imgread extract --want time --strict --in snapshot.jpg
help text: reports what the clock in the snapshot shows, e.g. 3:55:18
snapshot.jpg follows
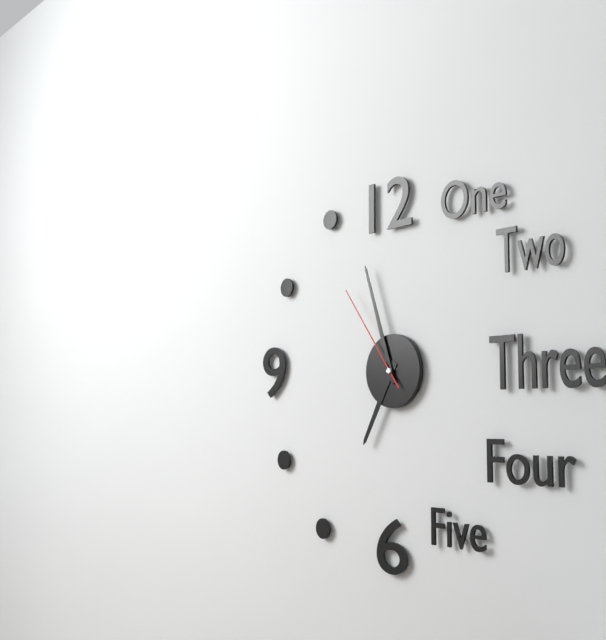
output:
6:57:54
